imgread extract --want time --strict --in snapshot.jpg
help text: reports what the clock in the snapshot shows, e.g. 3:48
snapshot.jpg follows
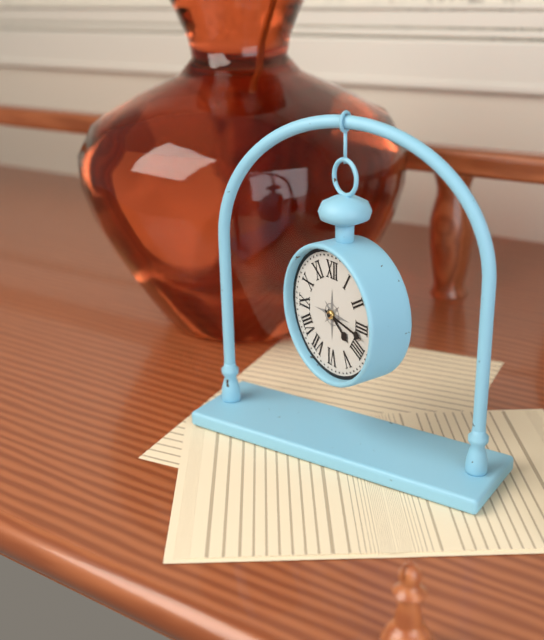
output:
4:17
